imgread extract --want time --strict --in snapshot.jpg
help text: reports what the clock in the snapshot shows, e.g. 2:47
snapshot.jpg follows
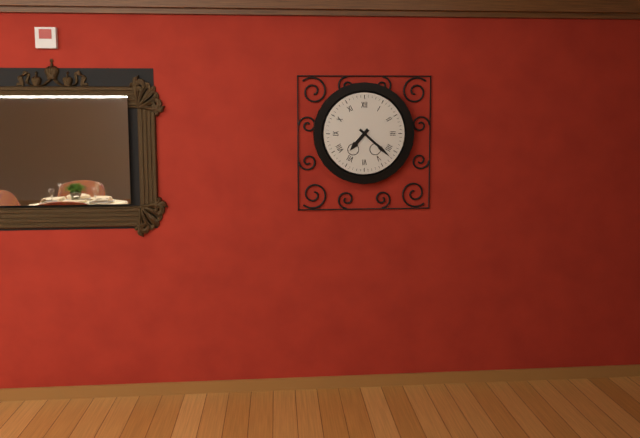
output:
7:22
